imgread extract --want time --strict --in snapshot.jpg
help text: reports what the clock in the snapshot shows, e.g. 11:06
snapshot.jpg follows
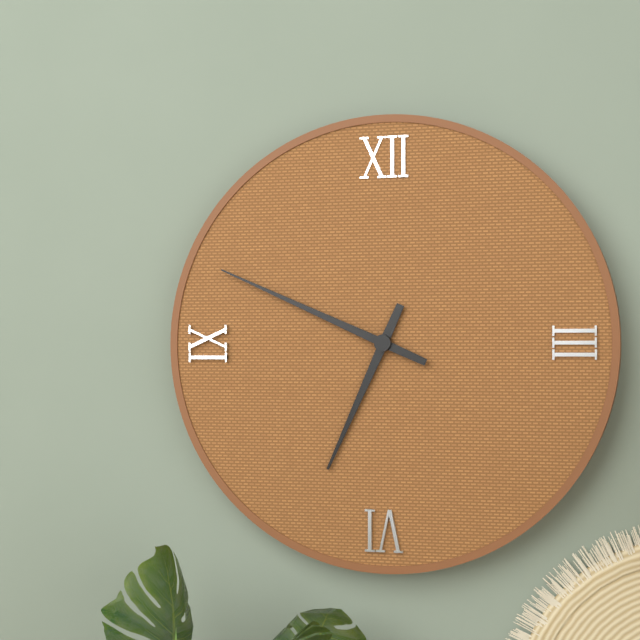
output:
6:49
